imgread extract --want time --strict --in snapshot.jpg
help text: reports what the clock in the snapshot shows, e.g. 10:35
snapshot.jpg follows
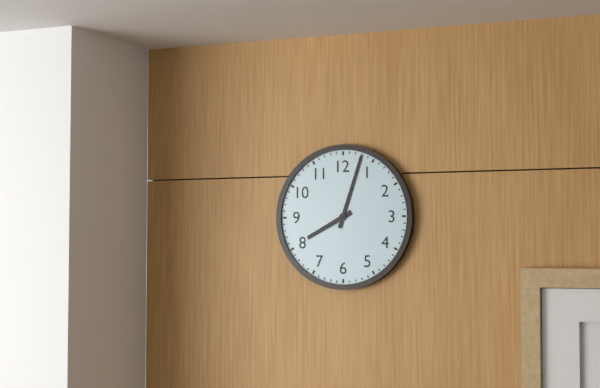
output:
8:03
